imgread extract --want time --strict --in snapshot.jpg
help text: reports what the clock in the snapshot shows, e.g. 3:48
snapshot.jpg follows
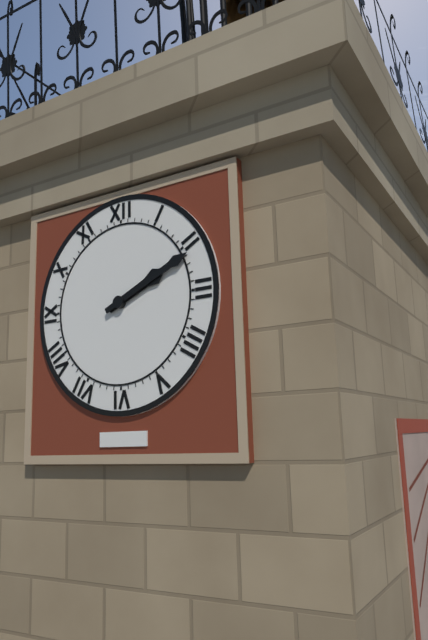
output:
2:11
